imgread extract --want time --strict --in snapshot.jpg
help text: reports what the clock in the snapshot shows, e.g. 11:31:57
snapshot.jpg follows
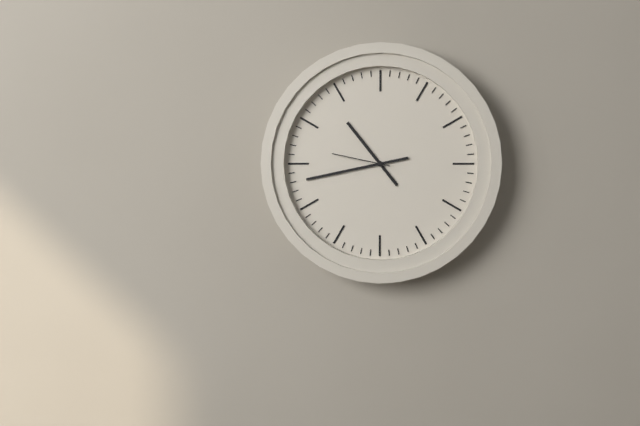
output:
10:43:47
